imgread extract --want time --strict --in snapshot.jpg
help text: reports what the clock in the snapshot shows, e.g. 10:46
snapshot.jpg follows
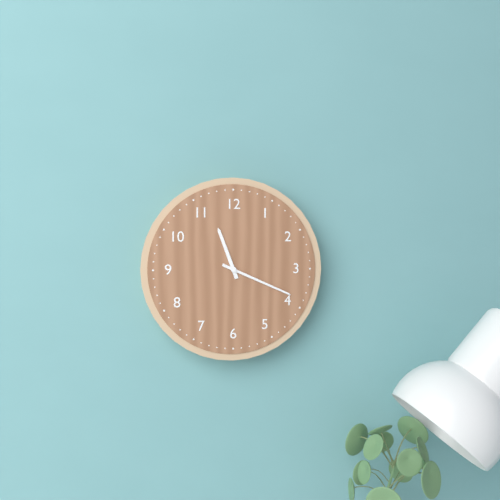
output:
11:19
